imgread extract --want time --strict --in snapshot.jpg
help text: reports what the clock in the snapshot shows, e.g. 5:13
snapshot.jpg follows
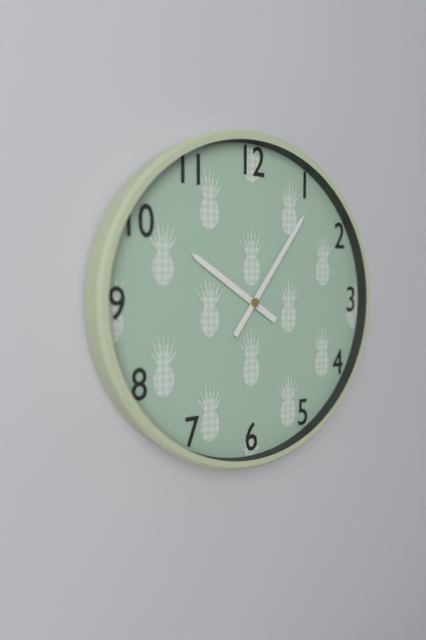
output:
10:06
